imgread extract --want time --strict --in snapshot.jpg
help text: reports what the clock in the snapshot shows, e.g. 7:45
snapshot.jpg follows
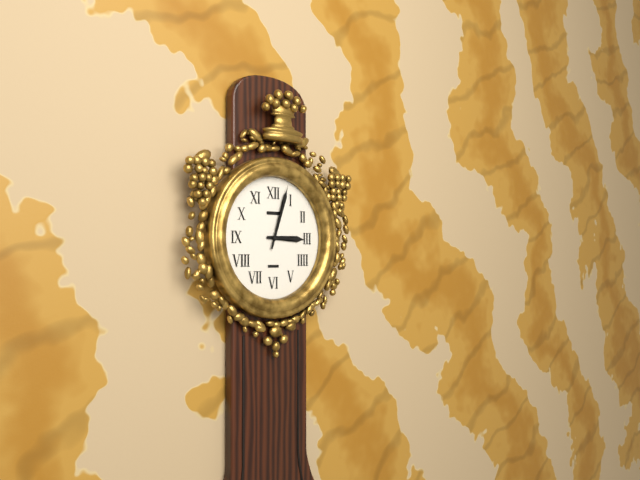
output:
3:03
